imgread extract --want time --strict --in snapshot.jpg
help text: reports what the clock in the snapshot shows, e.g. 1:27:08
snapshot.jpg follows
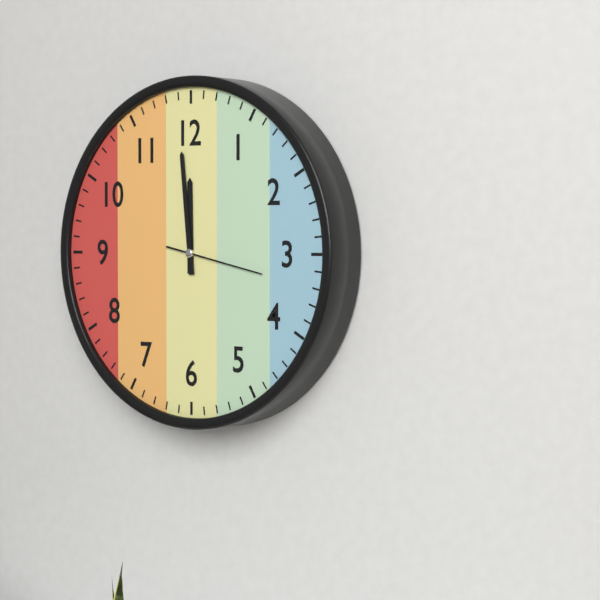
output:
11:59:17
